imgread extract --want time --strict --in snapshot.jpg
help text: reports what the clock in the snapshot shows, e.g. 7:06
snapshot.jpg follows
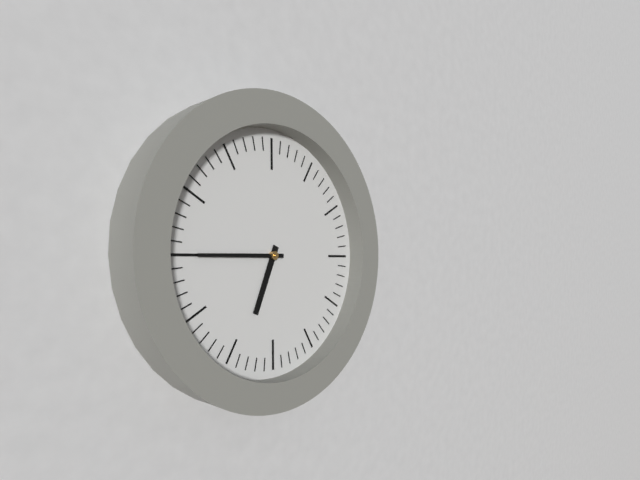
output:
6:45
